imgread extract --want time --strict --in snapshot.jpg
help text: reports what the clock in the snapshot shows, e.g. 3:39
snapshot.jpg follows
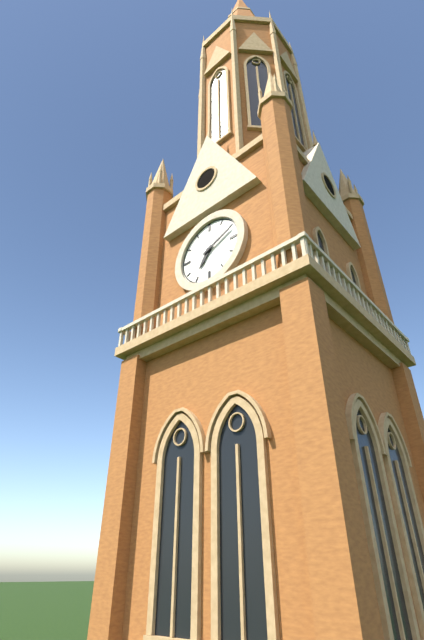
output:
7:11
